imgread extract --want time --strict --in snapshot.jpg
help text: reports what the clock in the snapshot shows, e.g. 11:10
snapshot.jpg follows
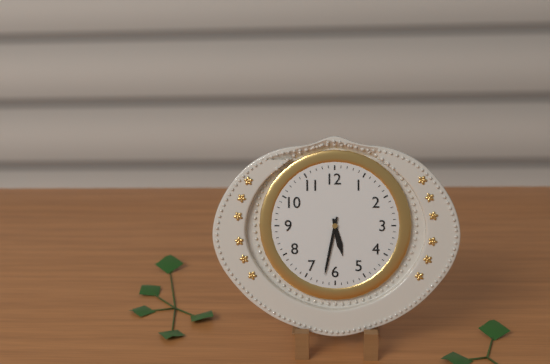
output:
5:32
